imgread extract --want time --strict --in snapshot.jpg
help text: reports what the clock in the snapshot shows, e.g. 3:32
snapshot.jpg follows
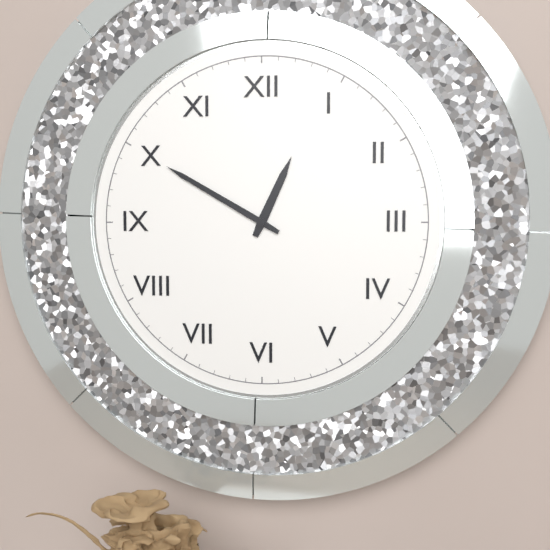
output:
12:50
